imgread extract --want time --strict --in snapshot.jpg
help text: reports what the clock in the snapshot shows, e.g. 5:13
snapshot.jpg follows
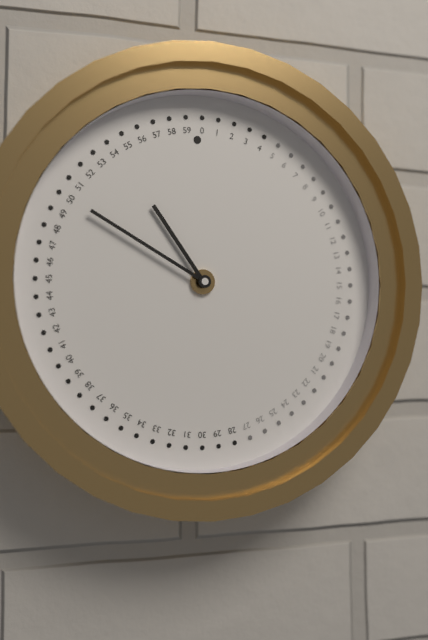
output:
10:50
